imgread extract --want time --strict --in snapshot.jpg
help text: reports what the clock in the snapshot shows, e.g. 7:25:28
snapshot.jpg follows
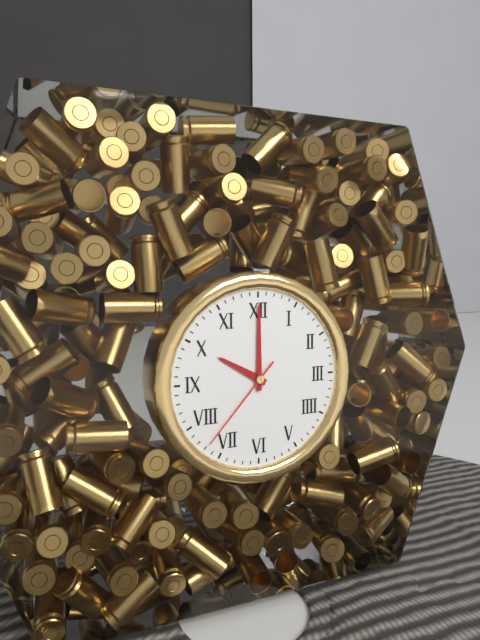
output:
10:00:37
